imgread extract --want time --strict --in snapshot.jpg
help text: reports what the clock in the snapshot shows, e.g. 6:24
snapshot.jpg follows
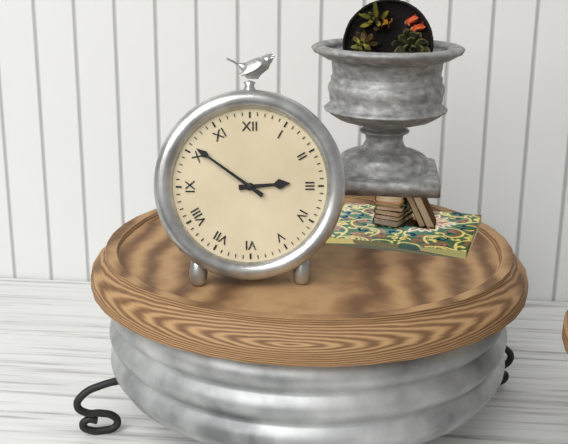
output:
2:51
